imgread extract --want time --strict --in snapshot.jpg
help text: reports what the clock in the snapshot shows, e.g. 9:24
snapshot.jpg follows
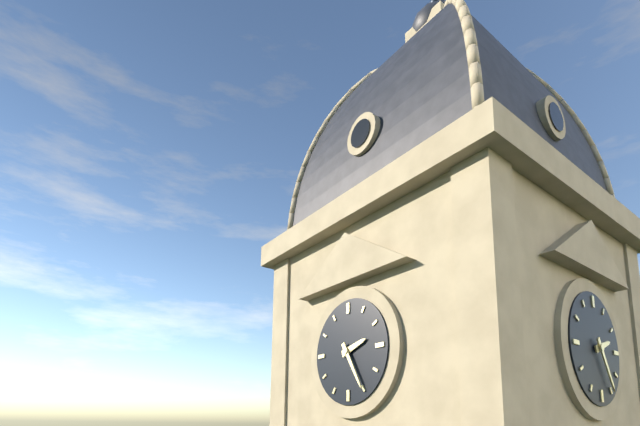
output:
2:25
